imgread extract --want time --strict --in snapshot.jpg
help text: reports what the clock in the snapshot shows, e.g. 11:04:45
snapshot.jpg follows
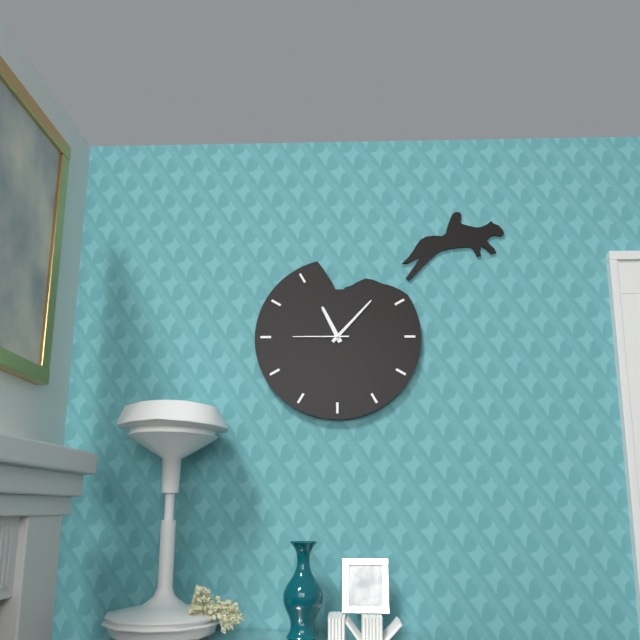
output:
11:07:45
